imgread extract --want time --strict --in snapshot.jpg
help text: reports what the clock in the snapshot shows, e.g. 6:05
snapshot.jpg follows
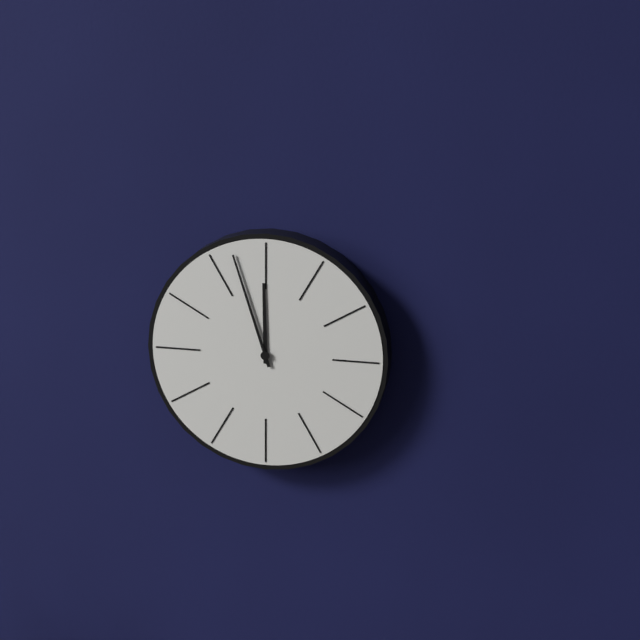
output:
11:57
